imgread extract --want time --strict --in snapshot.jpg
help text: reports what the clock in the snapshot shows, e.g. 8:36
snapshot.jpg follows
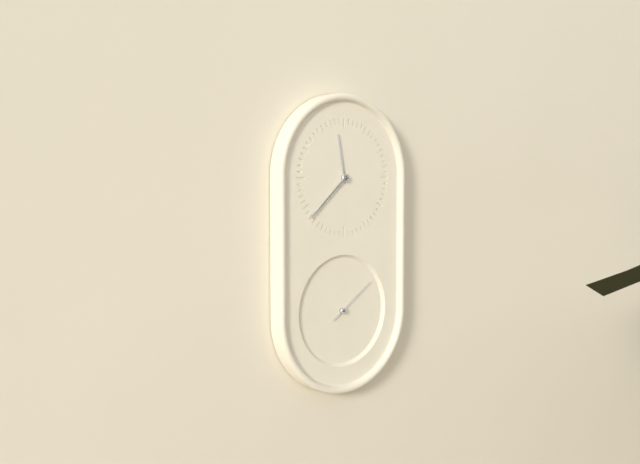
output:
11:38
